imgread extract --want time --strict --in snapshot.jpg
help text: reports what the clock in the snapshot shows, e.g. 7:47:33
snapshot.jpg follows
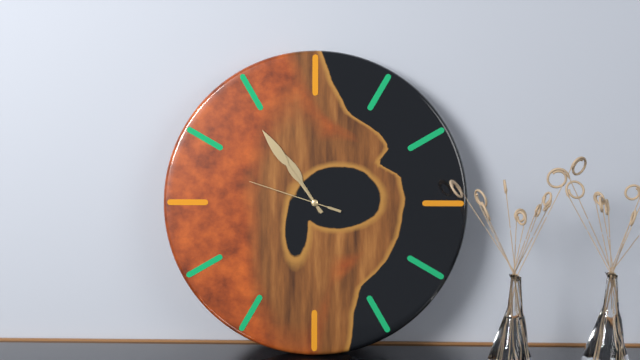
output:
10:54:48
